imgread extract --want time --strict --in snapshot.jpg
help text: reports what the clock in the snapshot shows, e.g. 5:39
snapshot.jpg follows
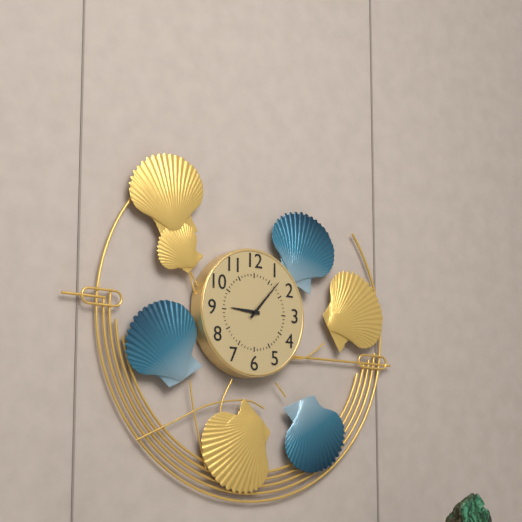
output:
9:07
